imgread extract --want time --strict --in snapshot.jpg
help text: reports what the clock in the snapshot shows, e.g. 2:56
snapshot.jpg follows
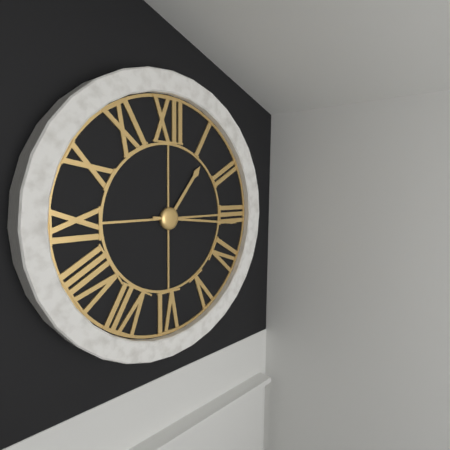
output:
1:16
